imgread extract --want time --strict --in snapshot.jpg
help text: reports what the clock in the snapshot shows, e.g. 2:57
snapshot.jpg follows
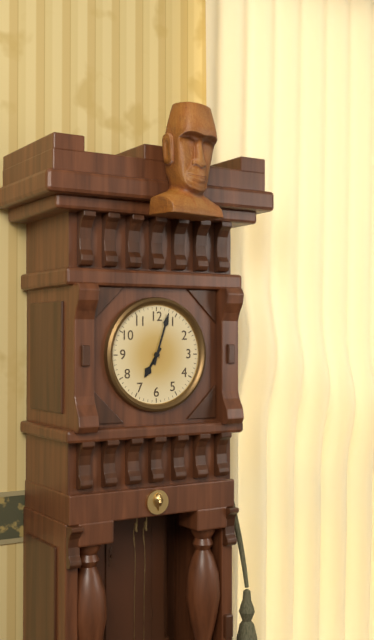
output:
7:03
